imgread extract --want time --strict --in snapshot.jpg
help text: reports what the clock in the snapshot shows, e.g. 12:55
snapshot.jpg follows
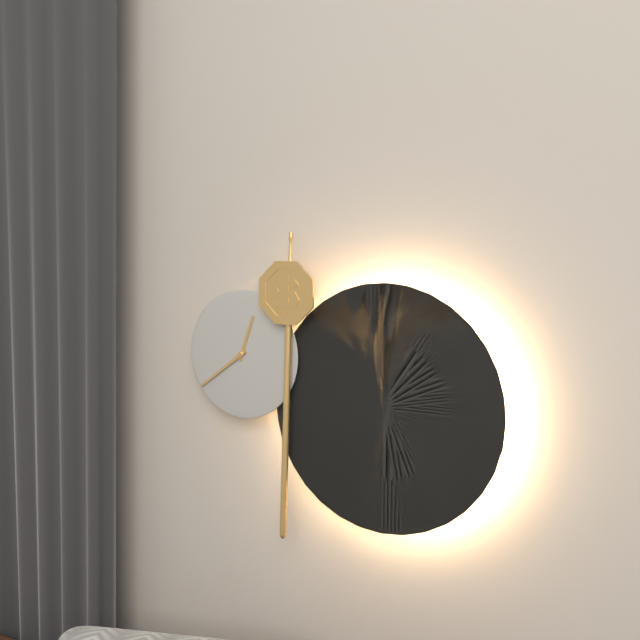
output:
12:39
